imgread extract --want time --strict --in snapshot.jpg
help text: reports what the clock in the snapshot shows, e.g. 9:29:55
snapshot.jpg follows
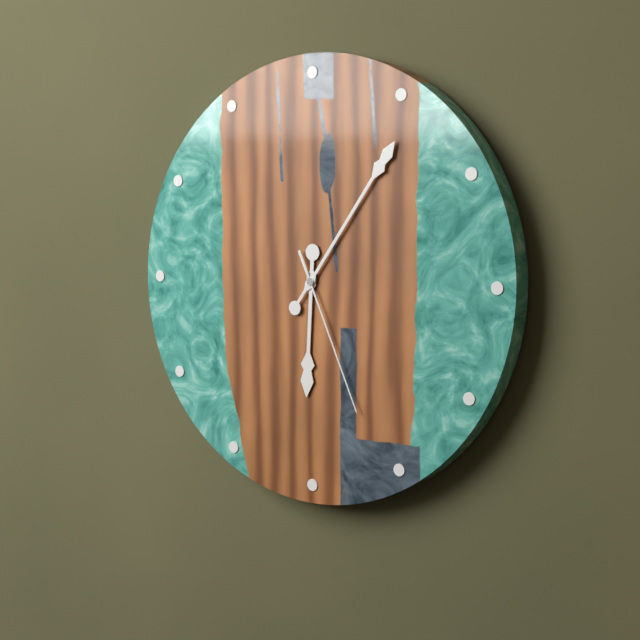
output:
6:06:26
